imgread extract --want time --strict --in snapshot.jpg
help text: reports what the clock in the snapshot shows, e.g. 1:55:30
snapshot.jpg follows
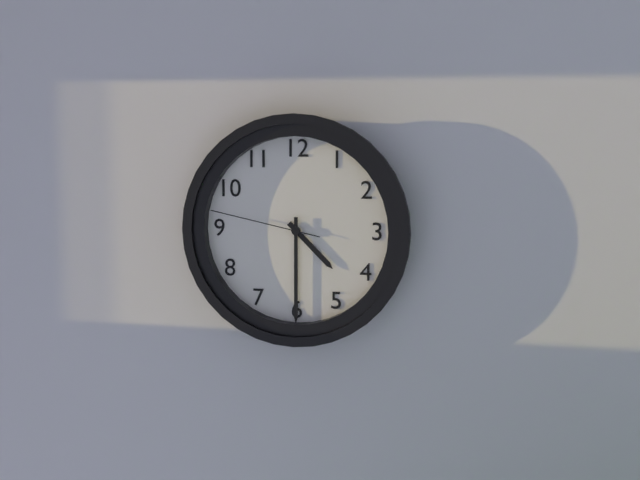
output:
4:30:47
